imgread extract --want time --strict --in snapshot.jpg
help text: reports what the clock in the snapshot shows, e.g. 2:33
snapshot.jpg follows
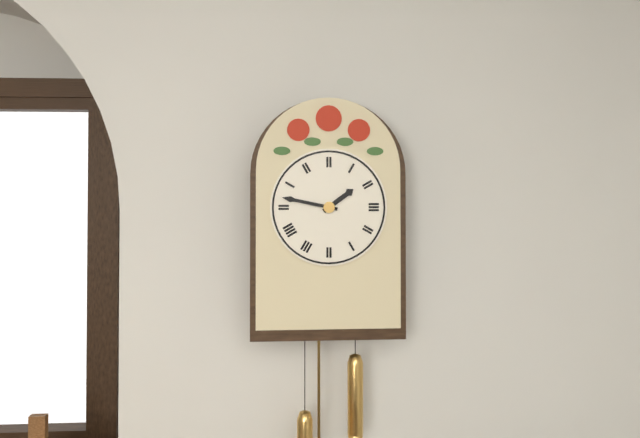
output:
1:47
